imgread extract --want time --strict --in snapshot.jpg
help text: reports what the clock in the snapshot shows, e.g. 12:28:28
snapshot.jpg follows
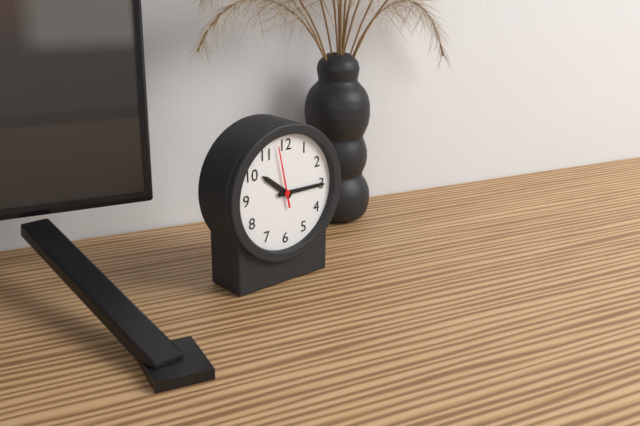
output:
10:15:58
